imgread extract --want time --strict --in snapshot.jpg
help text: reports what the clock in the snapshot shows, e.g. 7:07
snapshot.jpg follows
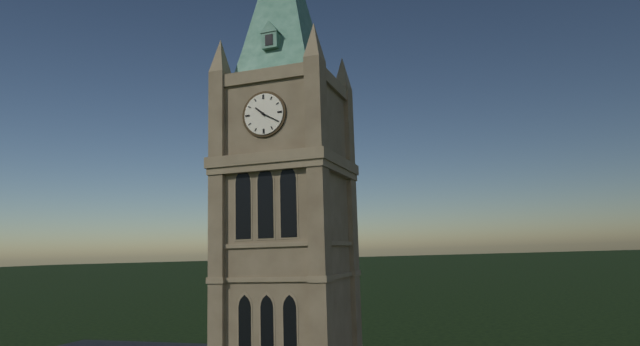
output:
10:20
